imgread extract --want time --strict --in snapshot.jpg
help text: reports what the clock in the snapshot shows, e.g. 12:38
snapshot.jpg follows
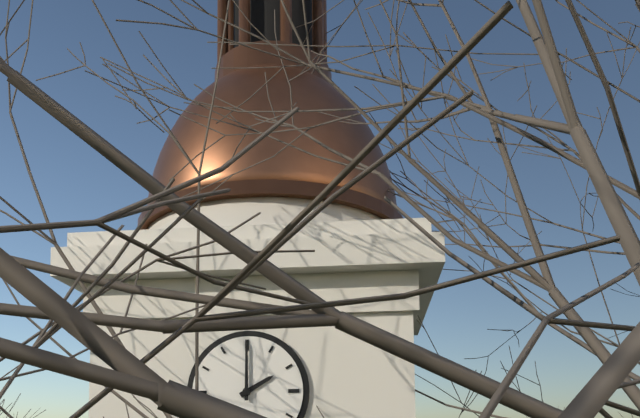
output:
2:00
